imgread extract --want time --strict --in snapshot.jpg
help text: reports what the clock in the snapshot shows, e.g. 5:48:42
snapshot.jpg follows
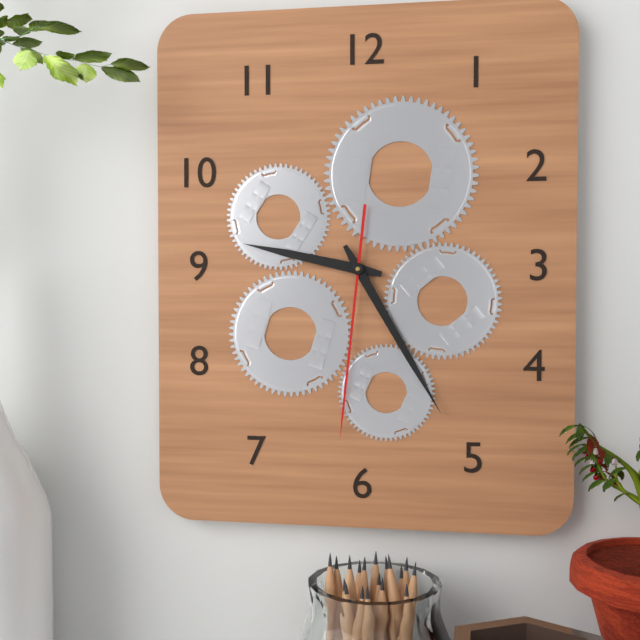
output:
9:25:31
